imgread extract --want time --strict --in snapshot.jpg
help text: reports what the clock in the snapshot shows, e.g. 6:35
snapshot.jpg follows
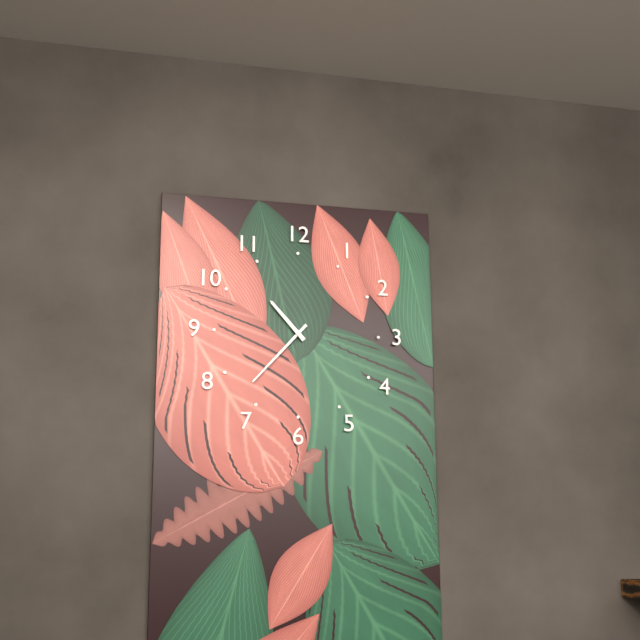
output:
10:37
